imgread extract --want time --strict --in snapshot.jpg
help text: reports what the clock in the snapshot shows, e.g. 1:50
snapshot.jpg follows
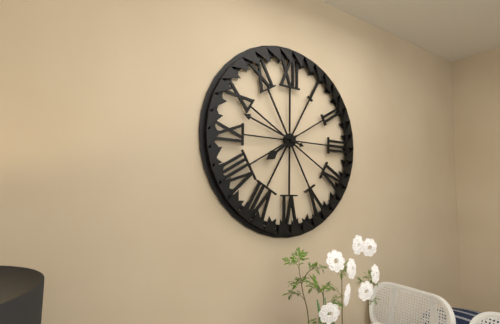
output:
7:48
